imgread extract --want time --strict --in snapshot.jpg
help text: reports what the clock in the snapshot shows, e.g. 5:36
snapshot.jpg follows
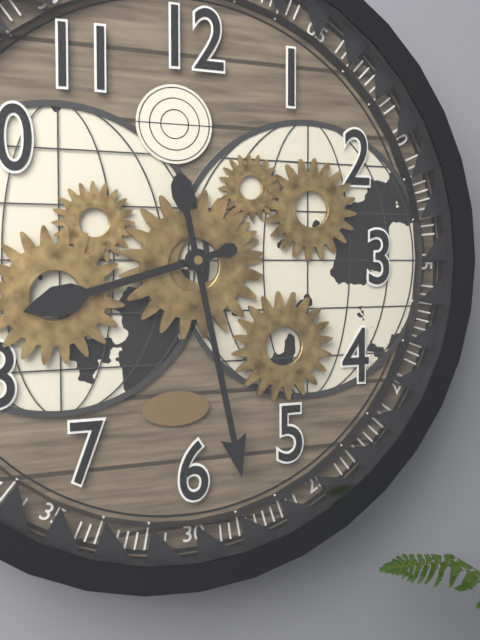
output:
8:28
